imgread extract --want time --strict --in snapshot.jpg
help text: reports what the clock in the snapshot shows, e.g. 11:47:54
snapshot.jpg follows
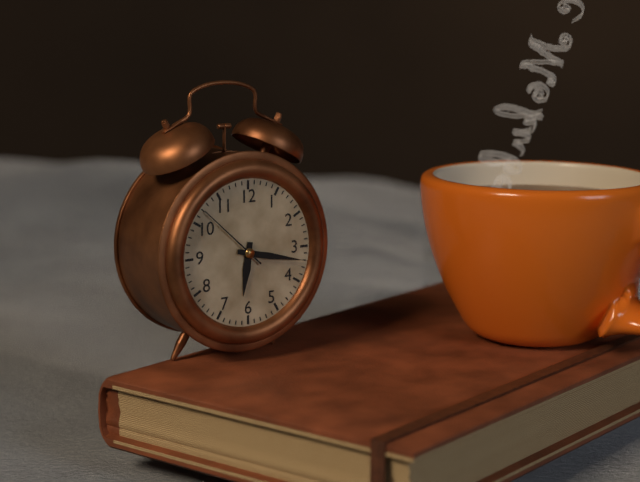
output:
6:17:52
